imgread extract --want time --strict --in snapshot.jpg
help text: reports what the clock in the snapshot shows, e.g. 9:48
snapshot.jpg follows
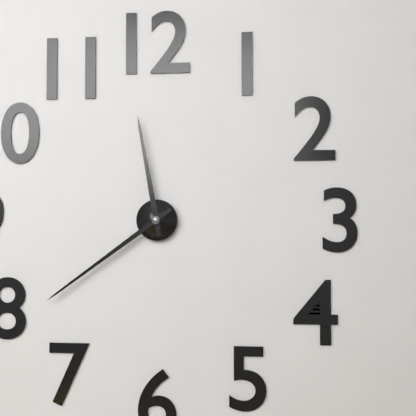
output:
11:39
